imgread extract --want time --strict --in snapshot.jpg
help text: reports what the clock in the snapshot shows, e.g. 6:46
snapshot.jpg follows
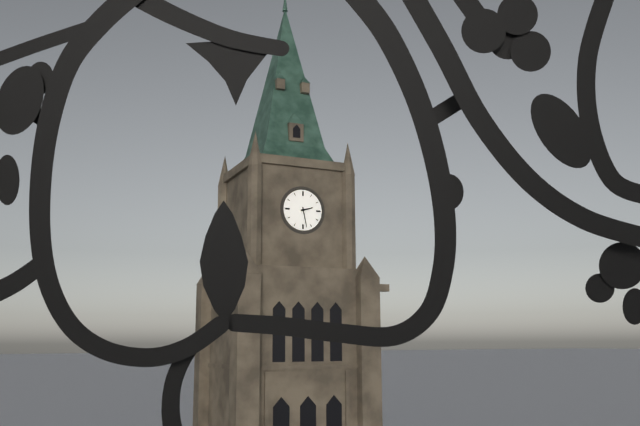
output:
2:28
